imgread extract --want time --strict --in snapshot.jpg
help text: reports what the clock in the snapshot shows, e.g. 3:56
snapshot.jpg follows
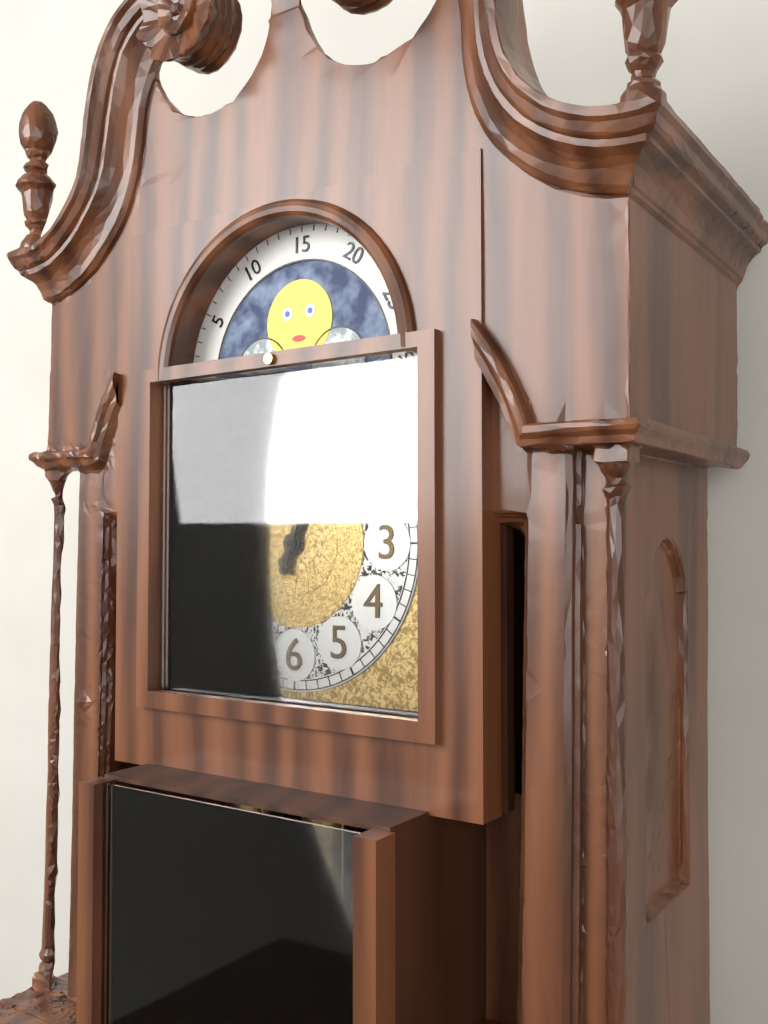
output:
1:03
